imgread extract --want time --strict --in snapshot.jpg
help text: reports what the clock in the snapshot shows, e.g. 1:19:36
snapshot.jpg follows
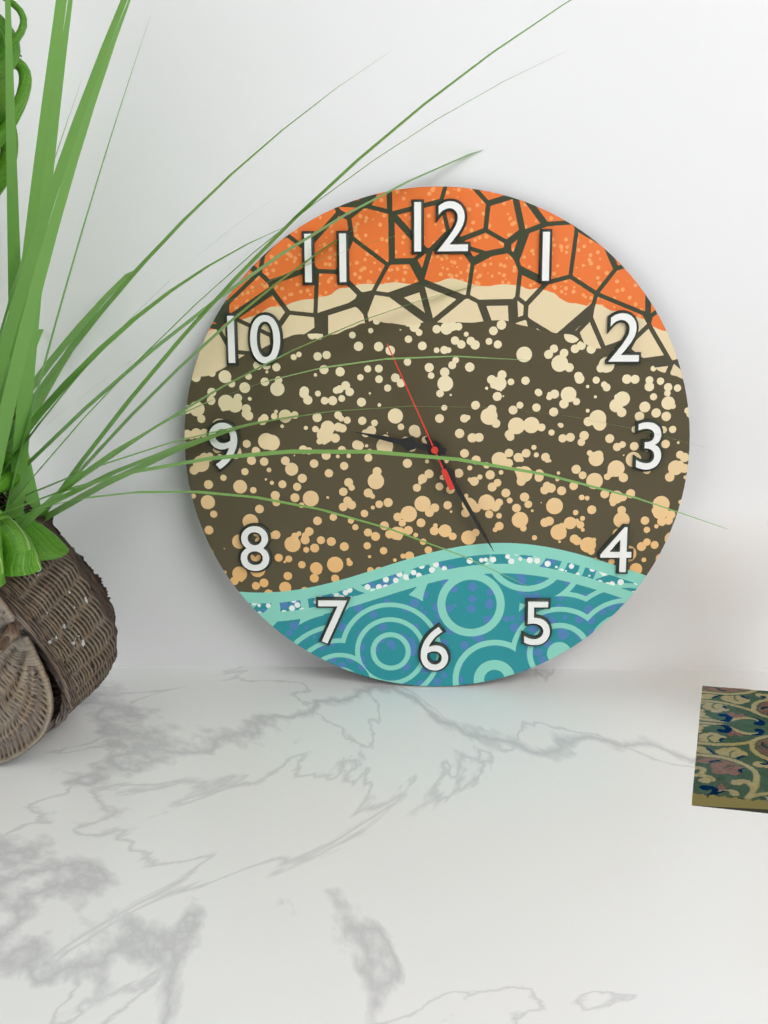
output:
9:25:56
